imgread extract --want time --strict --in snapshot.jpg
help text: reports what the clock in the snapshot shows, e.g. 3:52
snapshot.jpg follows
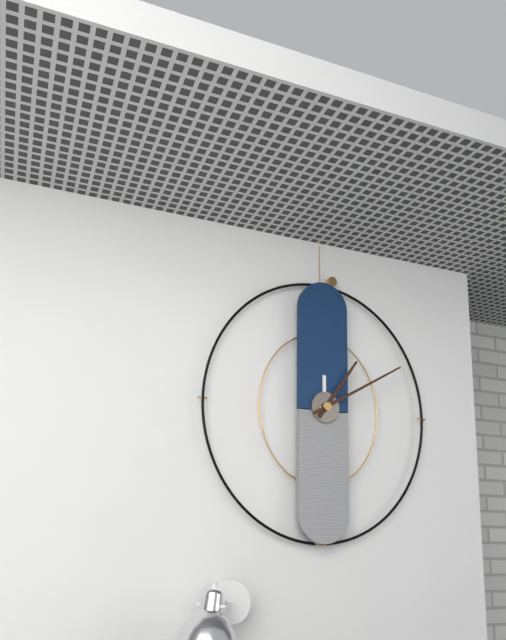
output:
1:10
